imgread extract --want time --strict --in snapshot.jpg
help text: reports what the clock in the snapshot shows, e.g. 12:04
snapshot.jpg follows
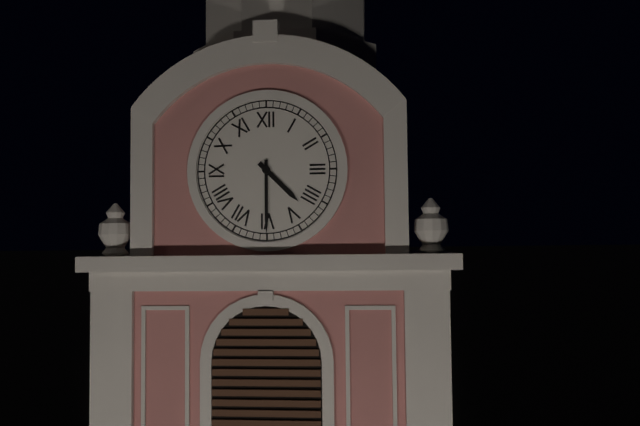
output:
4:30
